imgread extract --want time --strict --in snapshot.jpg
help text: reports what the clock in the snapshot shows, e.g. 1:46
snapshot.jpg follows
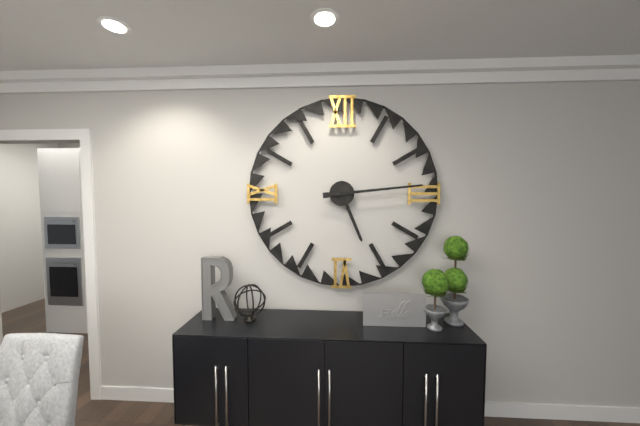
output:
5:14
